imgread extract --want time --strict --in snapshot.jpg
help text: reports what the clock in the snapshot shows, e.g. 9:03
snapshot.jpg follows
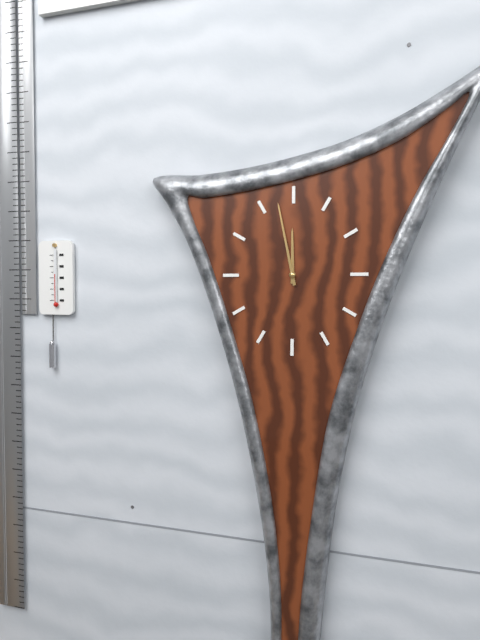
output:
11:58
